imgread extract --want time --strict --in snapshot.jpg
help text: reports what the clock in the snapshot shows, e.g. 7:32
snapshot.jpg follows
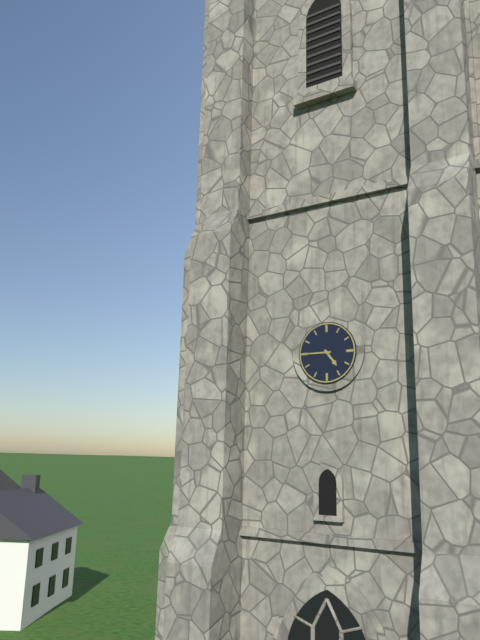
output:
4:45
